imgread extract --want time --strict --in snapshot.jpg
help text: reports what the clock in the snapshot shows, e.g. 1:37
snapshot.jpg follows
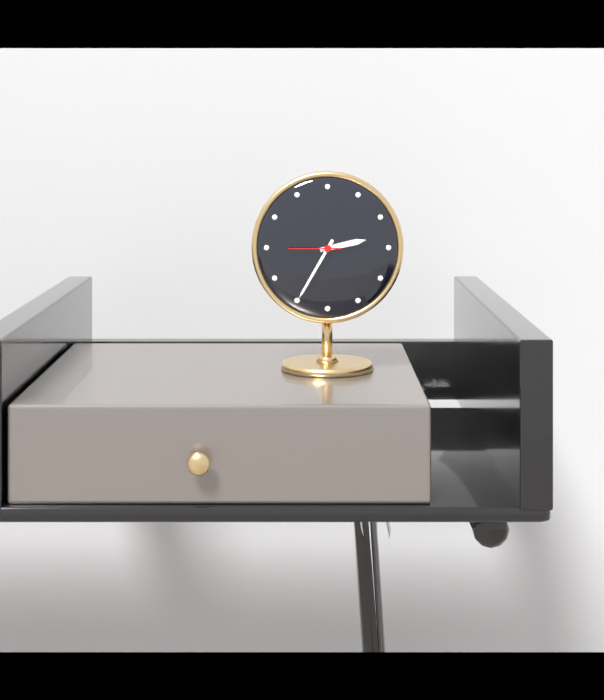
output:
2:35
